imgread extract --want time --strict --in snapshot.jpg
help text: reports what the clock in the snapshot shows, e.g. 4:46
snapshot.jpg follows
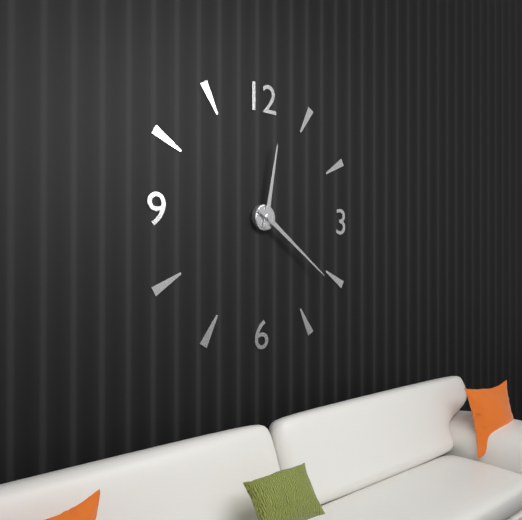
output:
12:21
